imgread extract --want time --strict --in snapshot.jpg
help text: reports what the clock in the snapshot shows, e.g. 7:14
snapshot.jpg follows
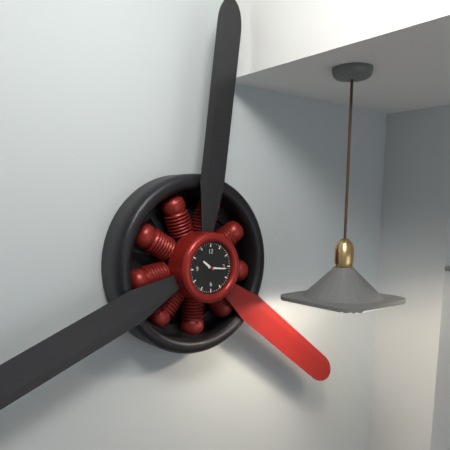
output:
10:16
